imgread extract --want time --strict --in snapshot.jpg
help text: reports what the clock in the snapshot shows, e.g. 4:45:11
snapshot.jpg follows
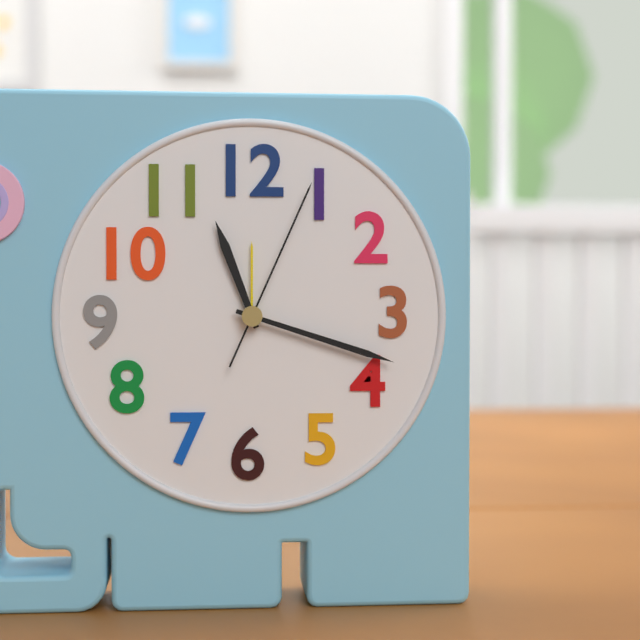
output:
11:18:04
